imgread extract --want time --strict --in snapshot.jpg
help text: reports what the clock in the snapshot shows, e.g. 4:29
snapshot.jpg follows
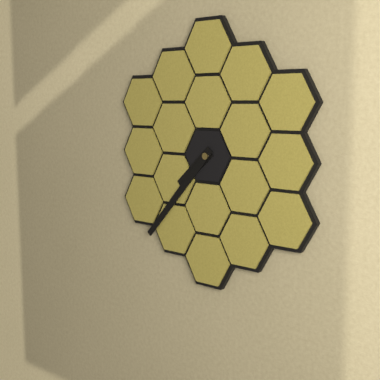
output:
7:37
